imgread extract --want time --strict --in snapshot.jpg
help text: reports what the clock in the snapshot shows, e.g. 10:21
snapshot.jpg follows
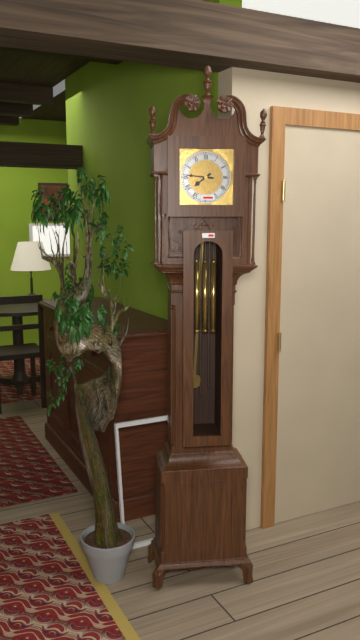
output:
7:46
